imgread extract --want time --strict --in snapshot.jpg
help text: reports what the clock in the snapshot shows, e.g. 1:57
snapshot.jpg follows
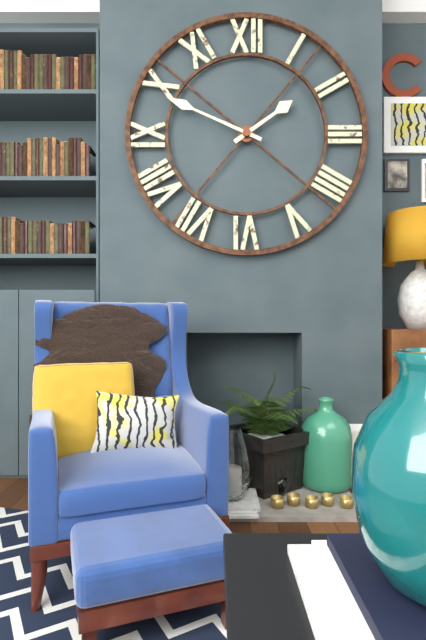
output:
1:49
